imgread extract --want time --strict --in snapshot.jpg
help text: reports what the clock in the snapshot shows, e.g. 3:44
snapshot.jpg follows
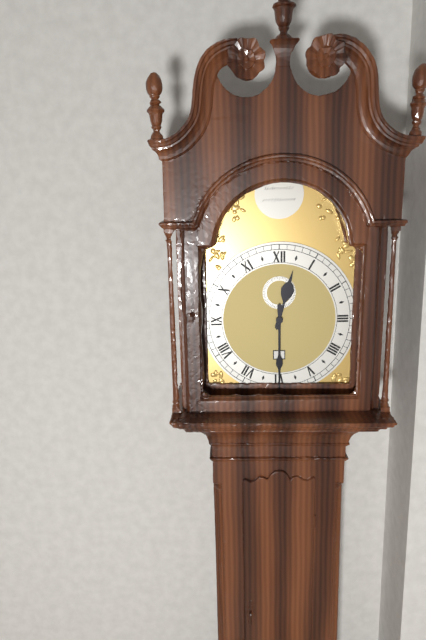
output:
12:30
